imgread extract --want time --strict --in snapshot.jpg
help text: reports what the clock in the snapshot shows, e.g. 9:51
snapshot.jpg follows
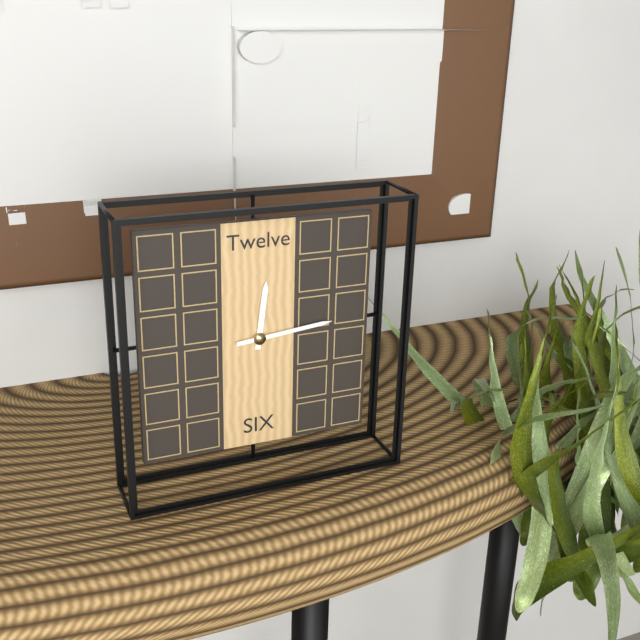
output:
12:14
